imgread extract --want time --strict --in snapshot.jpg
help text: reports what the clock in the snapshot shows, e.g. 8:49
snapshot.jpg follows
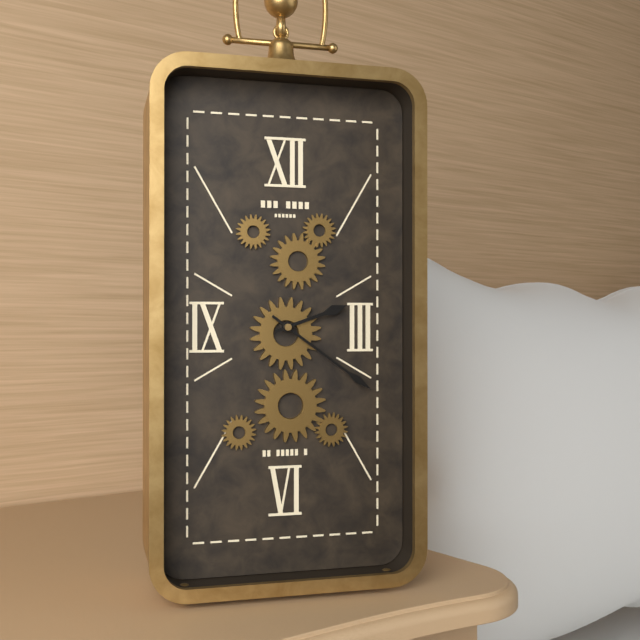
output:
2:21
